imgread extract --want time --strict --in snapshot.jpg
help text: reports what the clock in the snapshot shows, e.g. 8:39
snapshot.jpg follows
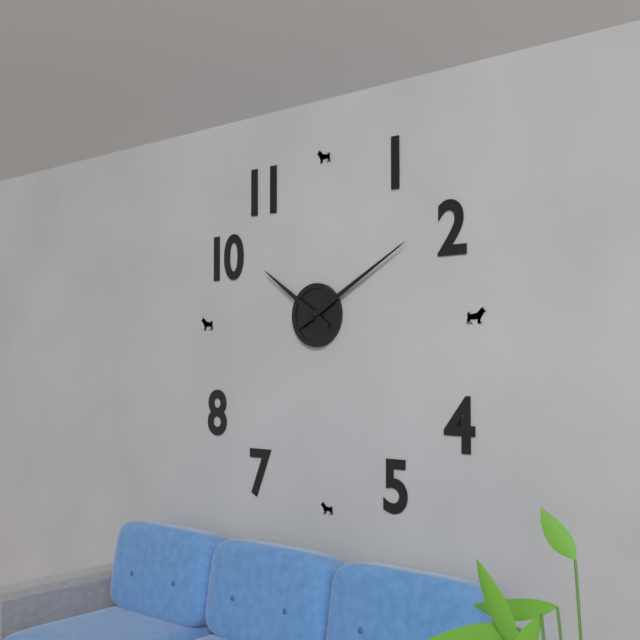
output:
10:10
